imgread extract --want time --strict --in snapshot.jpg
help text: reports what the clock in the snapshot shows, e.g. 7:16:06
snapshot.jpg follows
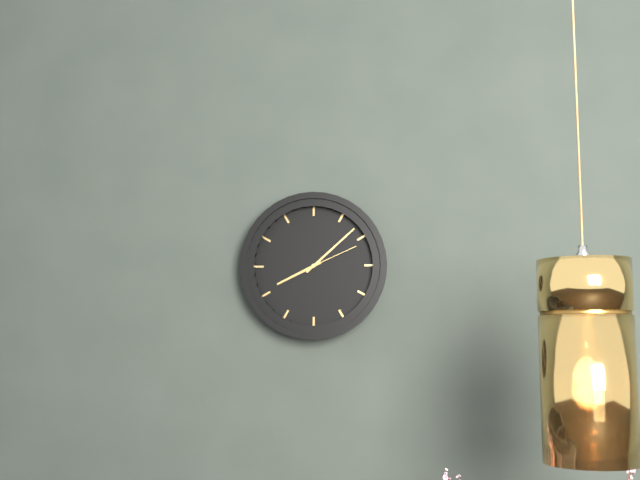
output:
8:08:11
